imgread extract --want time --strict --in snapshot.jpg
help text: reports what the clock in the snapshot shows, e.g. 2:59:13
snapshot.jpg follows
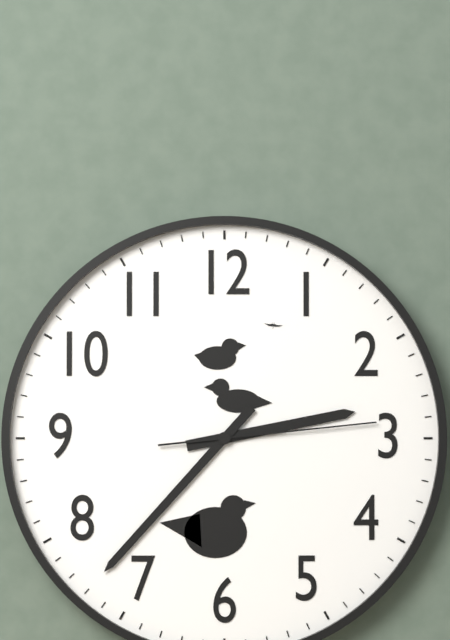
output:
2:37:14
